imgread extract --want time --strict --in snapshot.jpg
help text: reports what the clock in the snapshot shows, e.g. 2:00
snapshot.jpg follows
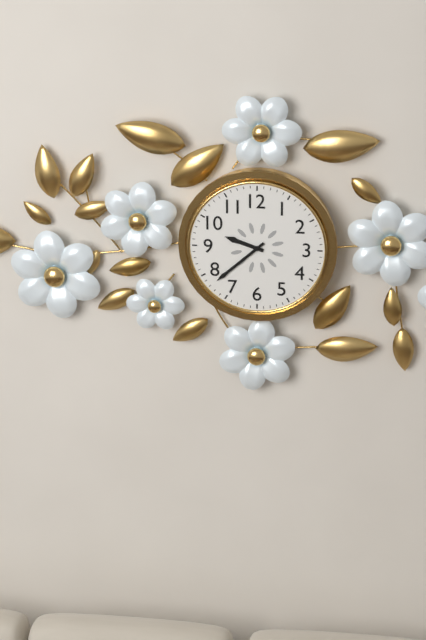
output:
9:38
